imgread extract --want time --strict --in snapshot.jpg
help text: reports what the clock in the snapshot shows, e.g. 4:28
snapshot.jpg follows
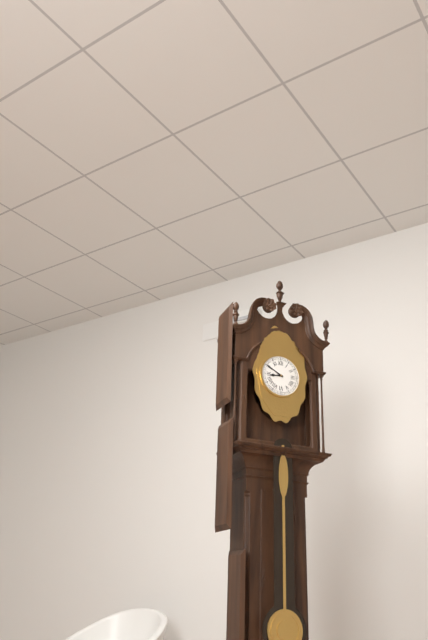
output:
8:50
